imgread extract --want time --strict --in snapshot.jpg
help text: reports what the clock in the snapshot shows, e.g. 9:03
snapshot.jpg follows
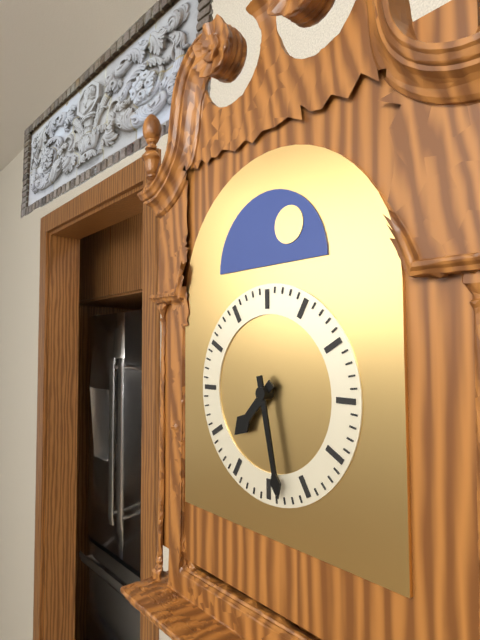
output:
7:28
